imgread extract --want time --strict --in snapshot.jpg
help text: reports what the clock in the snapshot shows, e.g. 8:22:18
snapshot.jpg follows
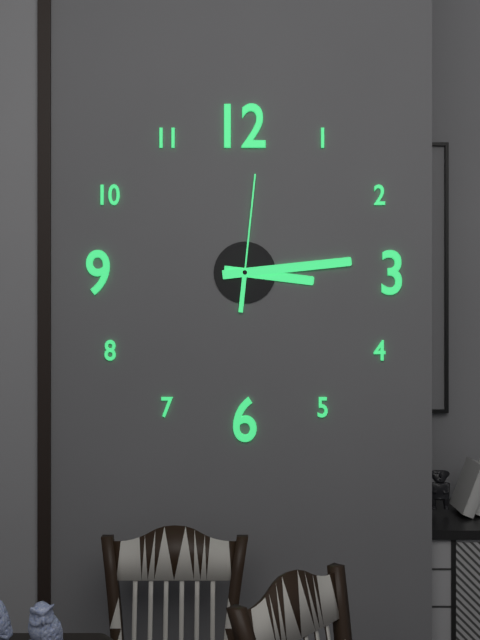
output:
3:14:01
